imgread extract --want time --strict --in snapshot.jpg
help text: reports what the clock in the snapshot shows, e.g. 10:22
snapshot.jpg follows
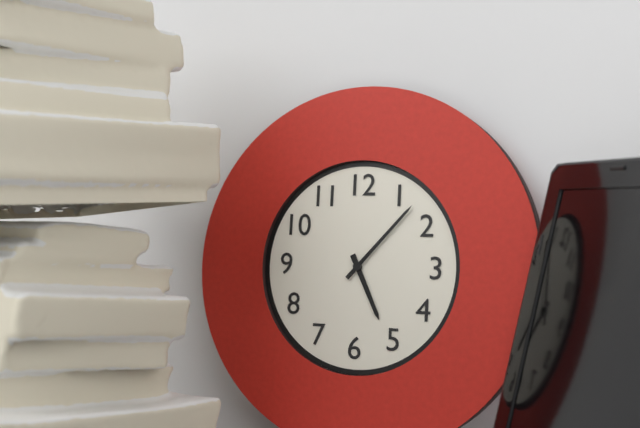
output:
5:07
